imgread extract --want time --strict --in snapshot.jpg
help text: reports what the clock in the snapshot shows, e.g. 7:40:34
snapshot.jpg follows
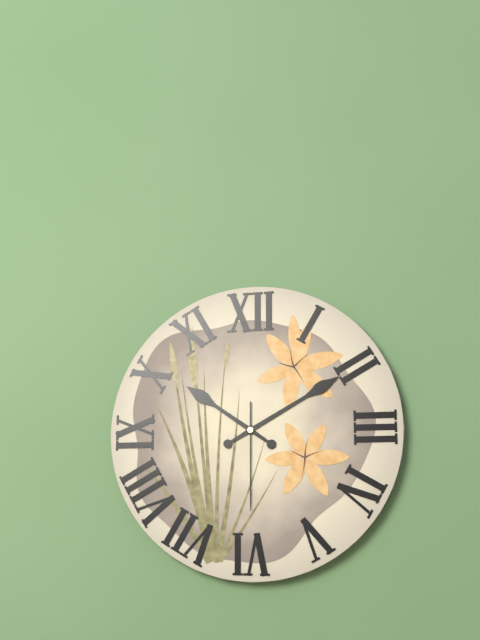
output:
10:10:30
